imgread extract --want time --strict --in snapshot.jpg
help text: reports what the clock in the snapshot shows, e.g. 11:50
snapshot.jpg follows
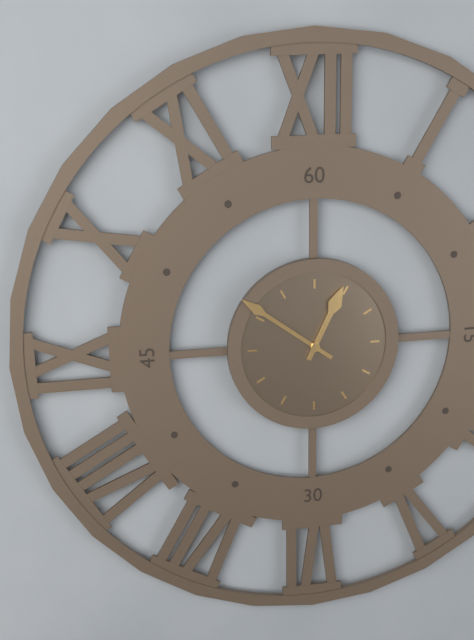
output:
12:51
